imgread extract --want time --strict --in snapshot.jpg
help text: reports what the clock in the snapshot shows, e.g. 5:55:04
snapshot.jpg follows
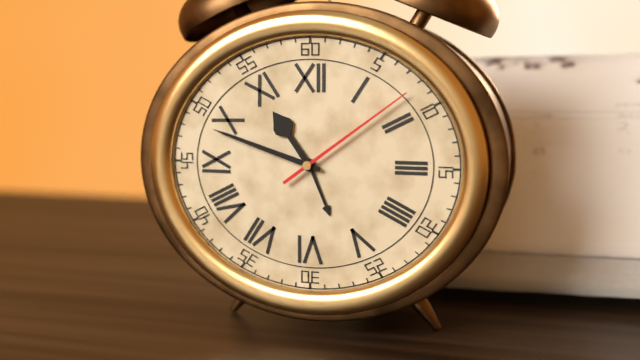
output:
10:48:09
